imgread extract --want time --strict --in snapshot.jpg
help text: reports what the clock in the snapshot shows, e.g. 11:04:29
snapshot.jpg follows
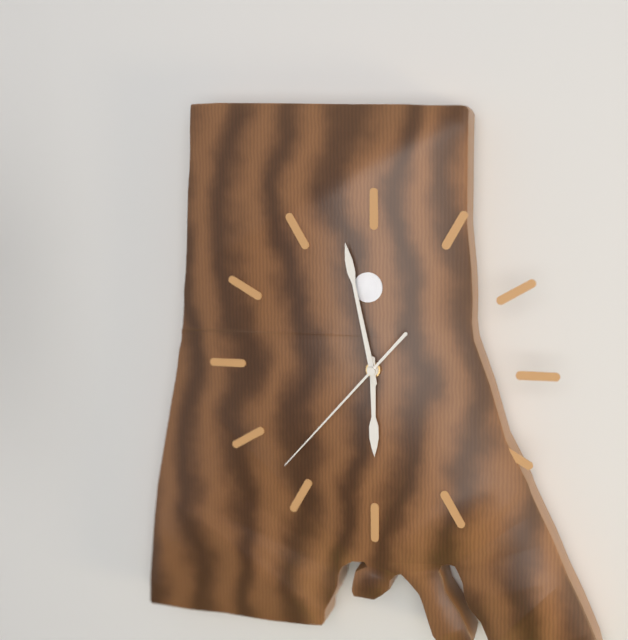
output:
5:58:37
